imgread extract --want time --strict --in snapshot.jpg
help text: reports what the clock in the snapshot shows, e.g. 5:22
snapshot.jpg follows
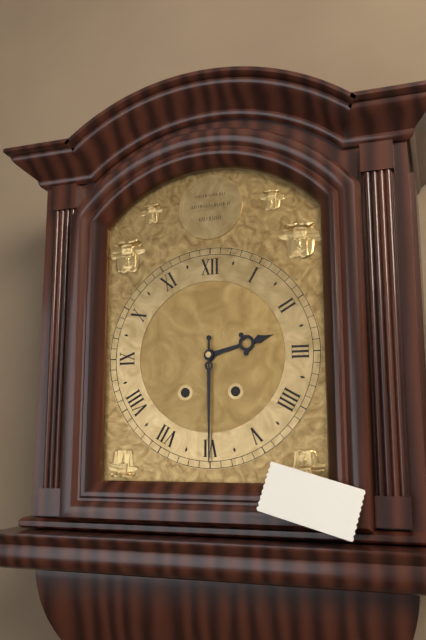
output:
2:30
